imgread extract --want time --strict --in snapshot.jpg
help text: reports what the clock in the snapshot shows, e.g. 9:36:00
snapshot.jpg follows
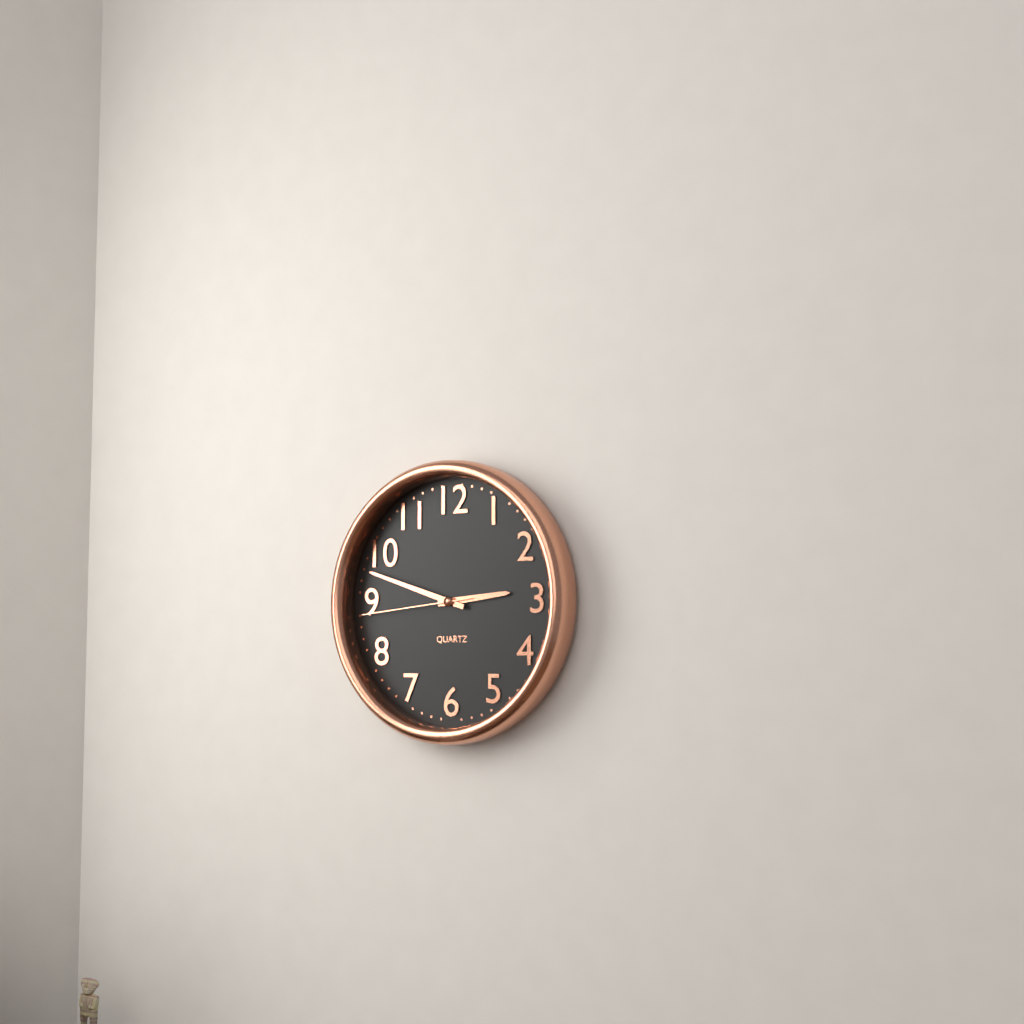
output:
2:48:44
